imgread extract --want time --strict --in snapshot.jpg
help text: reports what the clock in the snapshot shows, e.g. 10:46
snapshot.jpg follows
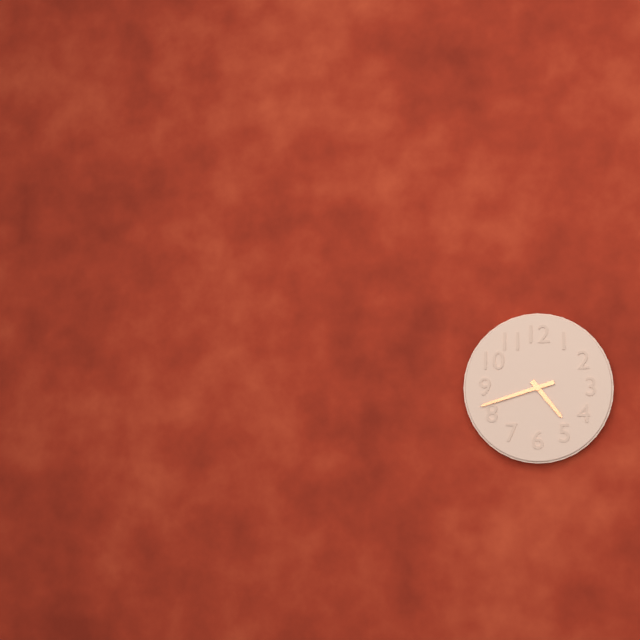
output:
4:42
